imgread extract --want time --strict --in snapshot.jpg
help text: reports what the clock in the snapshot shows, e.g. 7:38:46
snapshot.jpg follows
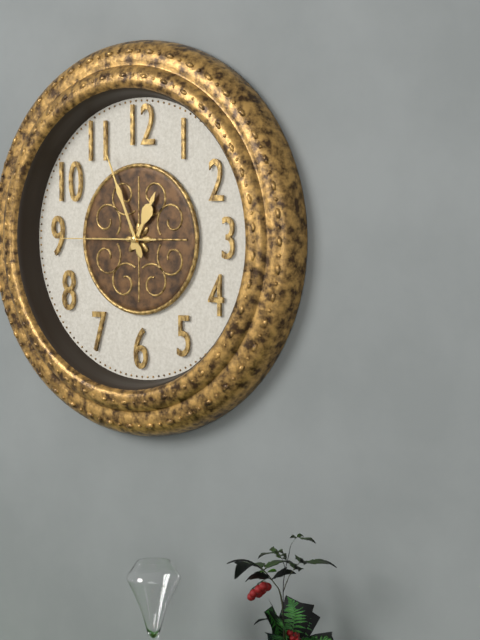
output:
12:56:45
